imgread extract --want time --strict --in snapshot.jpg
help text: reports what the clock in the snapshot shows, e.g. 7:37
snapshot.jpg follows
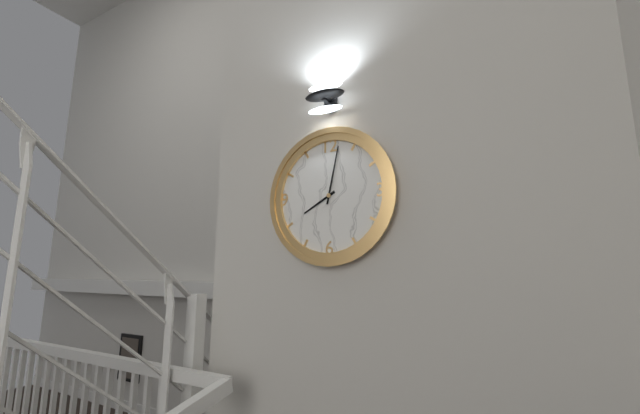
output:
8:02
